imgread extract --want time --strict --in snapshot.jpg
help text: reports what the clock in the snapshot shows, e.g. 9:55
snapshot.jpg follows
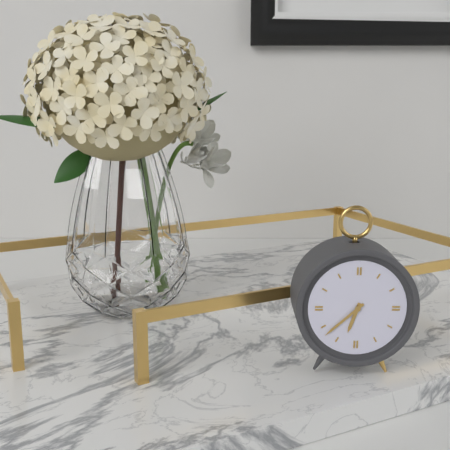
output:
6:38
